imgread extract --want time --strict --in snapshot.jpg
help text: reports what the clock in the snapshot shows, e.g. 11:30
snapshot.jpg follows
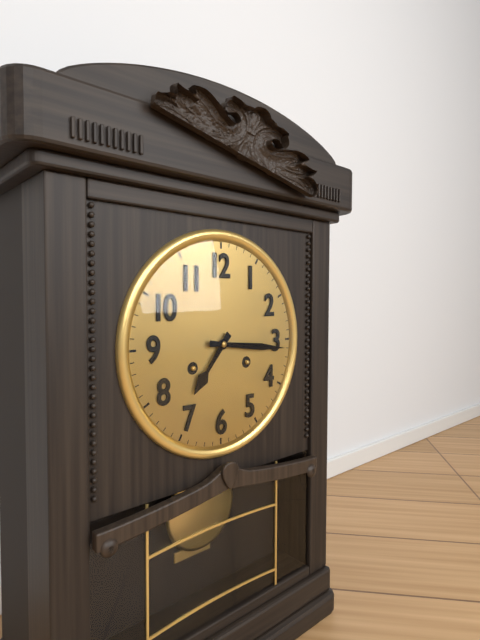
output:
7:16
